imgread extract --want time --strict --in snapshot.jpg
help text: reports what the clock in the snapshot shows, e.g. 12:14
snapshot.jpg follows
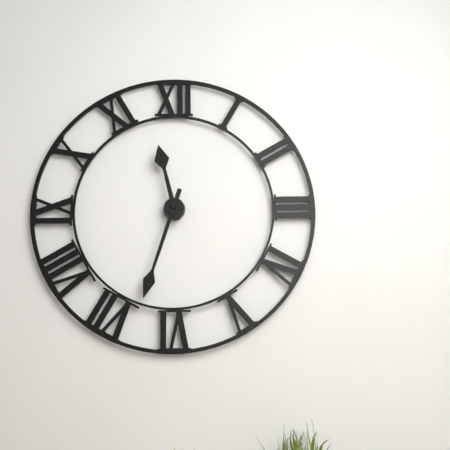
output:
11:33
